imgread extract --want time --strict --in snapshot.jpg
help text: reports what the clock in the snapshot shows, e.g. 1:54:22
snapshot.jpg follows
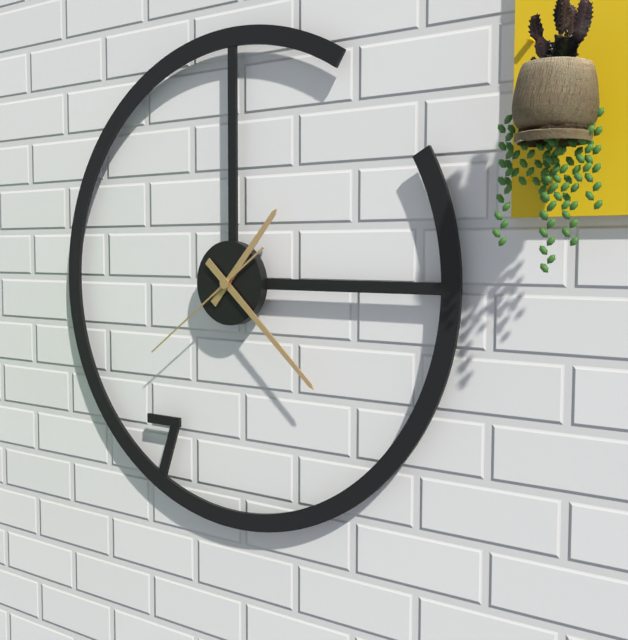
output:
1:22:39
